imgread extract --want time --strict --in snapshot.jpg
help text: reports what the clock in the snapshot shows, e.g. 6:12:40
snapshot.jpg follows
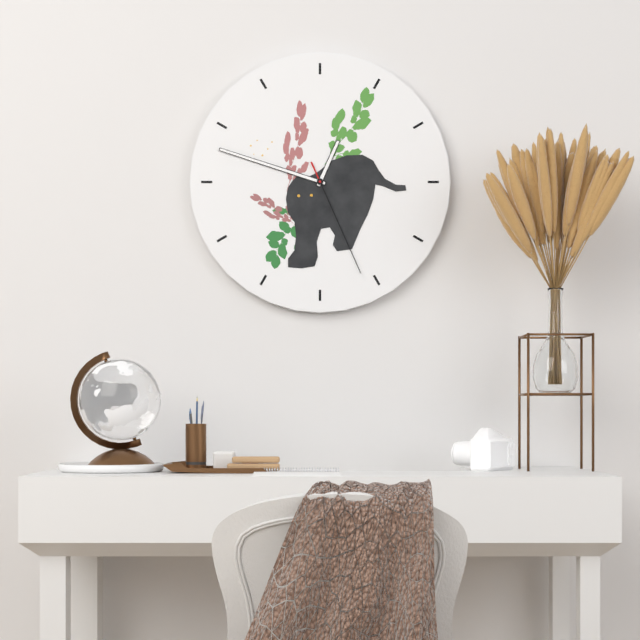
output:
12:48:26
